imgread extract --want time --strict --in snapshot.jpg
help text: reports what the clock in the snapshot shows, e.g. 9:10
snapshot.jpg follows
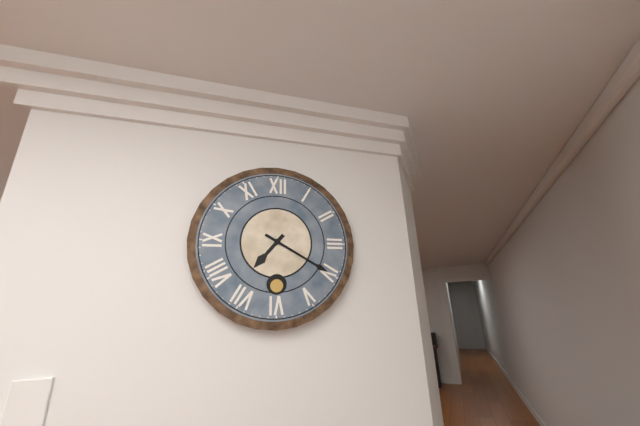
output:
7:20
